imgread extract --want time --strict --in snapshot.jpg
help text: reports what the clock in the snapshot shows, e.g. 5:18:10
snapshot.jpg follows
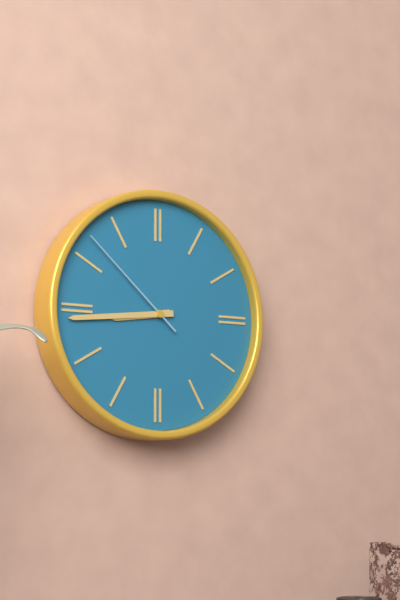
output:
8:44:52
